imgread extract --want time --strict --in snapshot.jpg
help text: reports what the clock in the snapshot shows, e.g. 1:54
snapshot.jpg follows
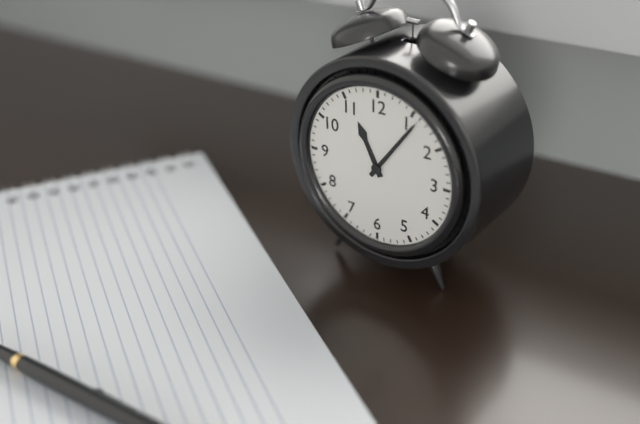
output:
11:06
